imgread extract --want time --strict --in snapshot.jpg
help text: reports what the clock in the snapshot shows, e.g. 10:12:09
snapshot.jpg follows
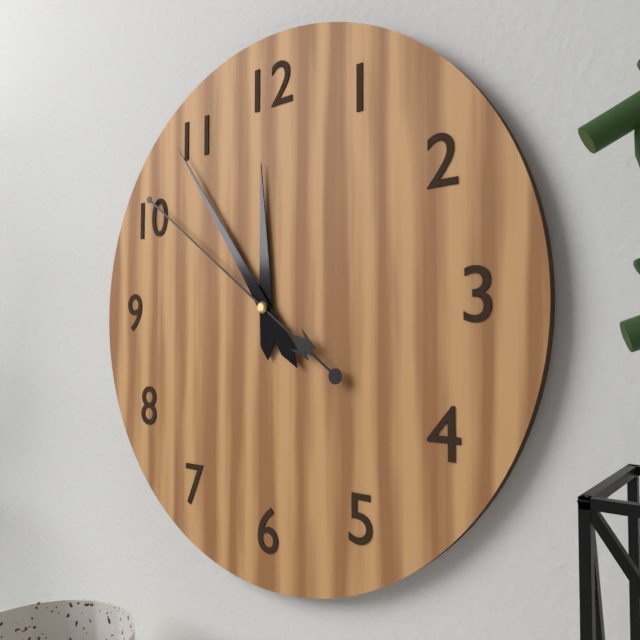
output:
11:54:51
